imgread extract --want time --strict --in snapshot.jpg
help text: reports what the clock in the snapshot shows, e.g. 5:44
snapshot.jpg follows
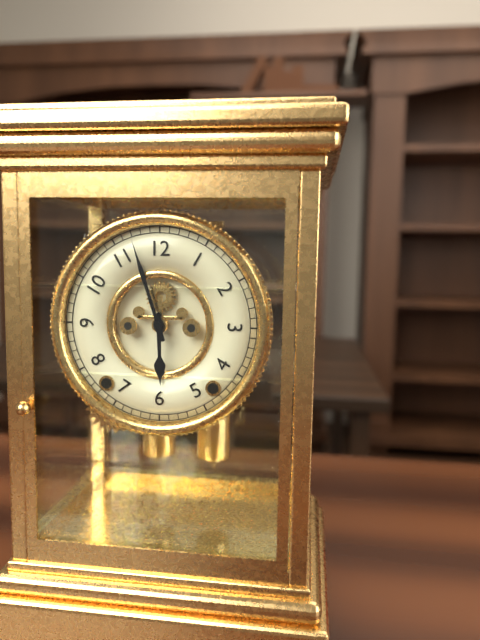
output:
5:57
